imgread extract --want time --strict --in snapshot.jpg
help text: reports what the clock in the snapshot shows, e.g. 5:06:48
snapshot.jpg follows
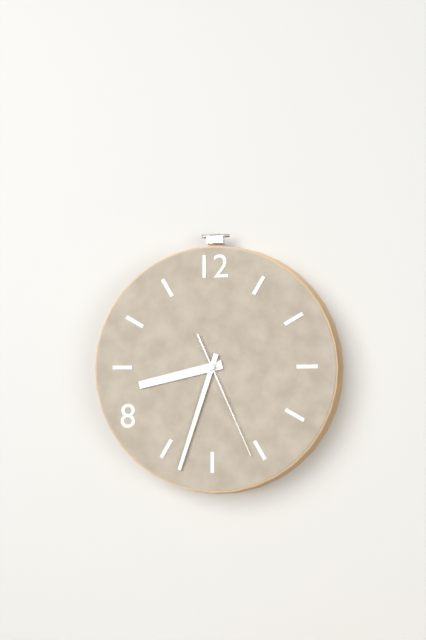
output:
8:33:26
